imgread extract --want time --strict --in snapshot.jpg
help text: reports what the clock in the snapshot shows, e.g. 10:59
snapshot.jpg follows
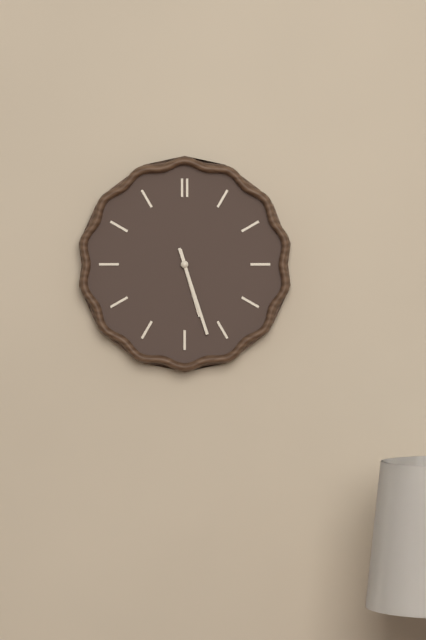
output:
5:27
